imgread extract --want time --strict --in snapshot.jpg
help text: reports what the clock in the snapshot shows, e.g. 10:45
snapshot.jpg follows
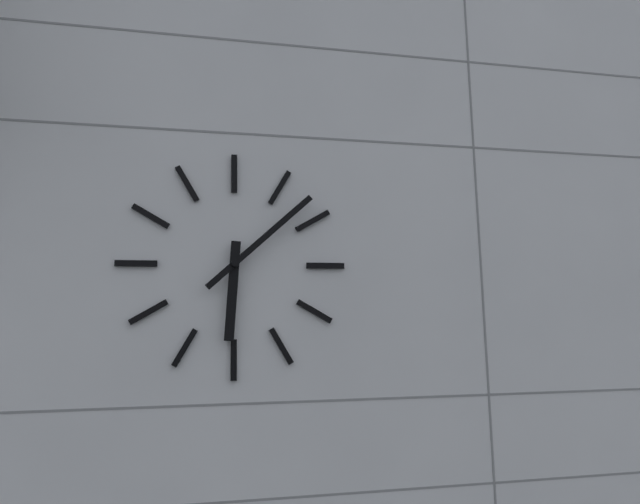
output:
6:08
